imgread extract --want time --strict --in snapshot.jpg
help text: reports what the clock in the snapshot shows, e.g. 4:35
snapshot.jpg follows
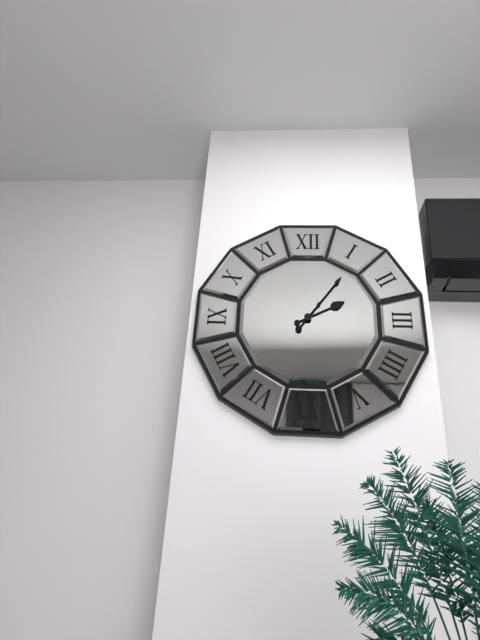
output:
2:06
